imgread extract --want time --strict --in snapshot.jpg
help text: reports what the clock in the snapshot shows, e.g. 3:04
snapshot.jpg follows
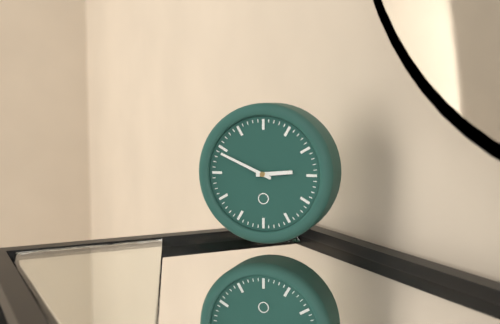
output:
2:49
